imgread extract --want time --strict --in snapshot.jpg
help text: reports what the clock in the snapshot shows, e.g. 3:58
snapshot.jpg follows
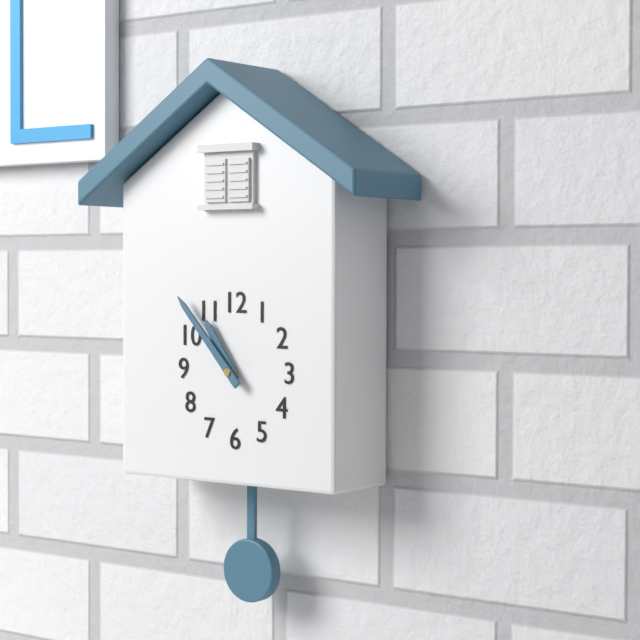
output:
10:53
